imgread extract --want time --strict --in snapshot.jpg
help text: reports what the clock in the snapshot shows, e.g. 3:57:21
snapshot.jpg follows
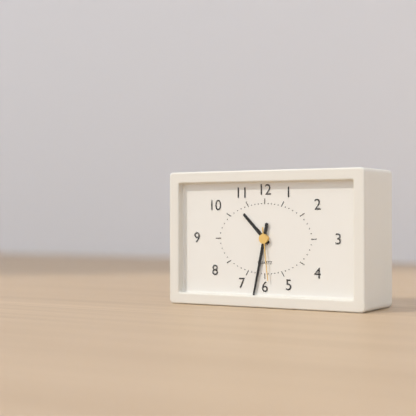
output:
10:32:29
